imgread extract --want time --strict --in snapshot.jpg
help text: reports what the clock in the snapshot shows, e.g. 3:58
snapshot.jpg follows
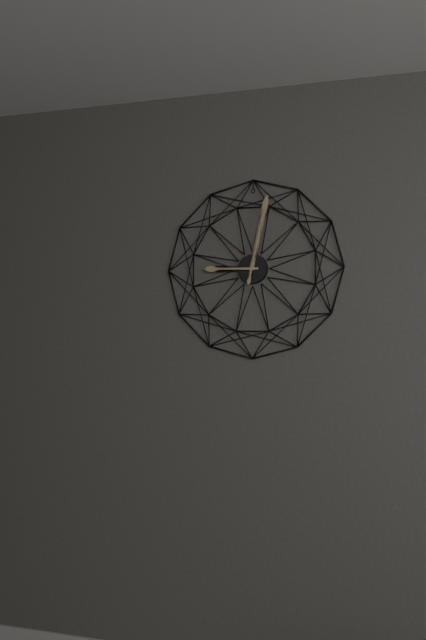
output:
9:02
